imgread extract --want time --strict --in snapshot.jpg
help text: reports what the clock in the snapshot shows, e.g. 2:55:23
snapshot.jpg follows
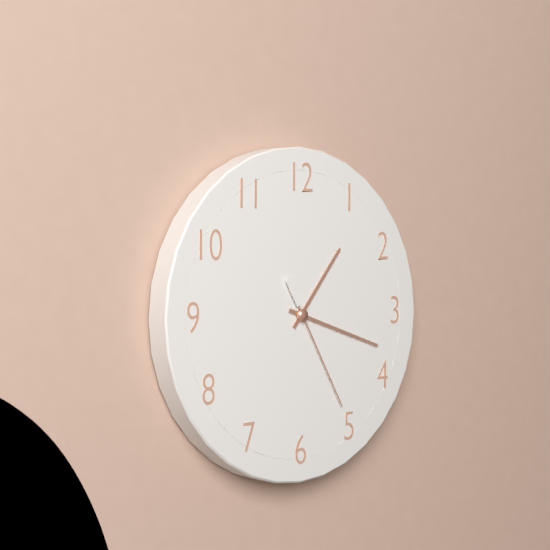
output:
1:18:25
